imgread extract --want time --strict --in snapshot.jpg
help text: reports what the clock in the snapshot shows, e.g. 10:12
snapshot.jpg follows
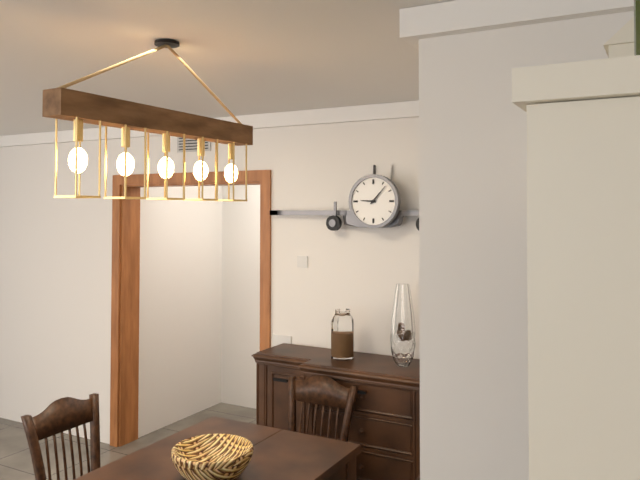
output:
9:07
